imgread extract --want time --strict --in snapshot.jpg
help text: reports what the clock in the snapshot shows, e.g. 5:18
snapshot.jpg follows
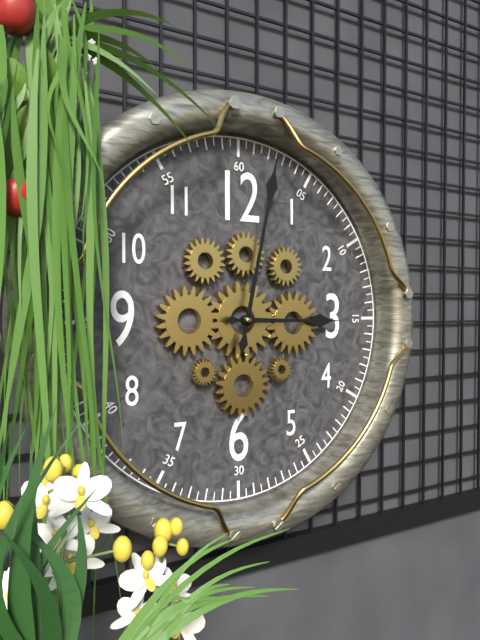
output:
3:02
